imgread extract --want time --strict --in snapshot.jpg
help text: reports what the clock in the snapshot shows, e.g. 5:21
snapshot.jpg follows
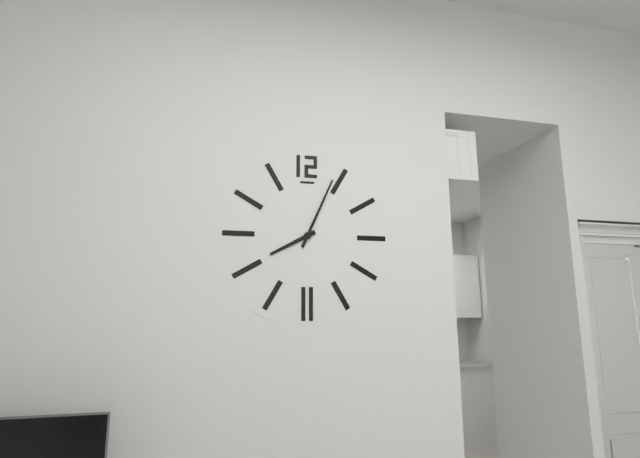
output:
8:04
